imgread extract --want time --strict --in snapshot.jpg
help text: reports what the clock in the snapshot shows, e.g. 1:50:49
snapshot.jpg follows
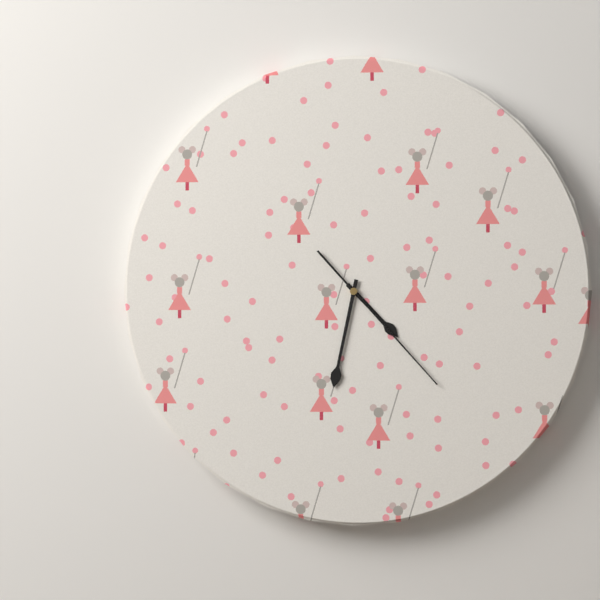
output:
4:32:23
